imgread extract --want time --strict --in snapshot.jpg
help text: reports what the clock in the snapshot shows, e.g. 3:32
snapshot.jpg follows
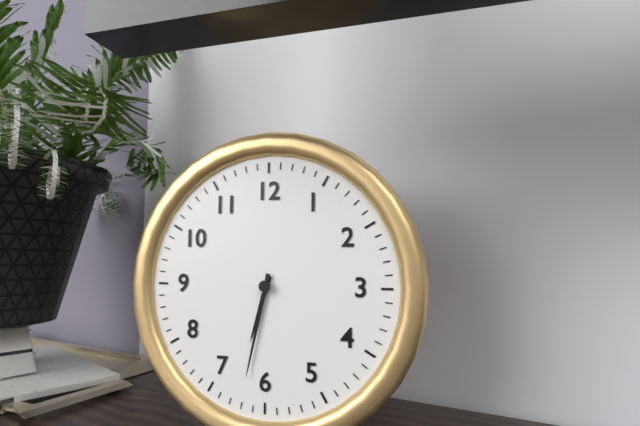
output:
6:32
